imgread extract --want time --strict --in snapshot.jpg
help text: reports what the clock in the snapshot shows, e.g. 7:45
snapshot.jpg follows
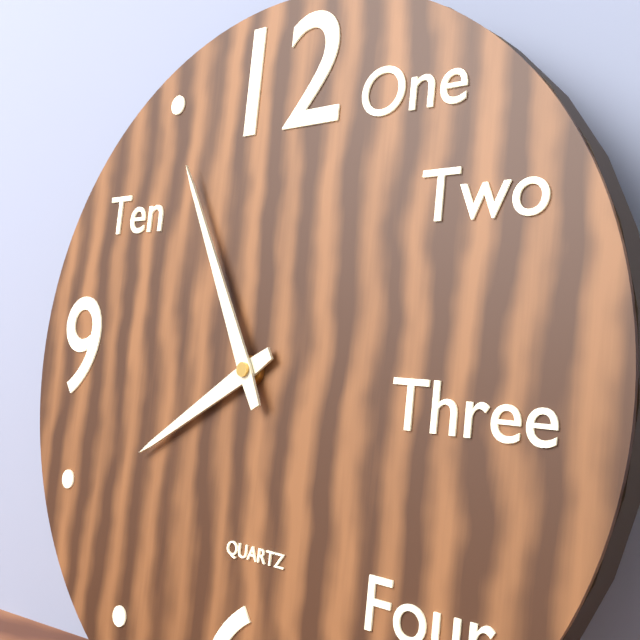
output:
7:55
